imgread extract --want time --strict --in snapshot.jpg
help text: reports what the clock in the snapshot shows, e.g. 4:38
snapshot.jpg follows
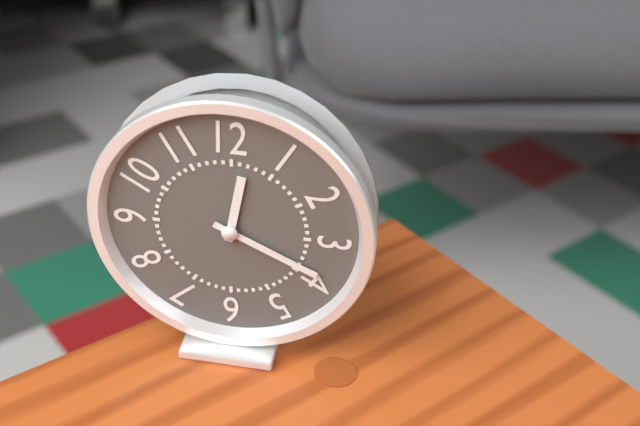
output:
12:19
